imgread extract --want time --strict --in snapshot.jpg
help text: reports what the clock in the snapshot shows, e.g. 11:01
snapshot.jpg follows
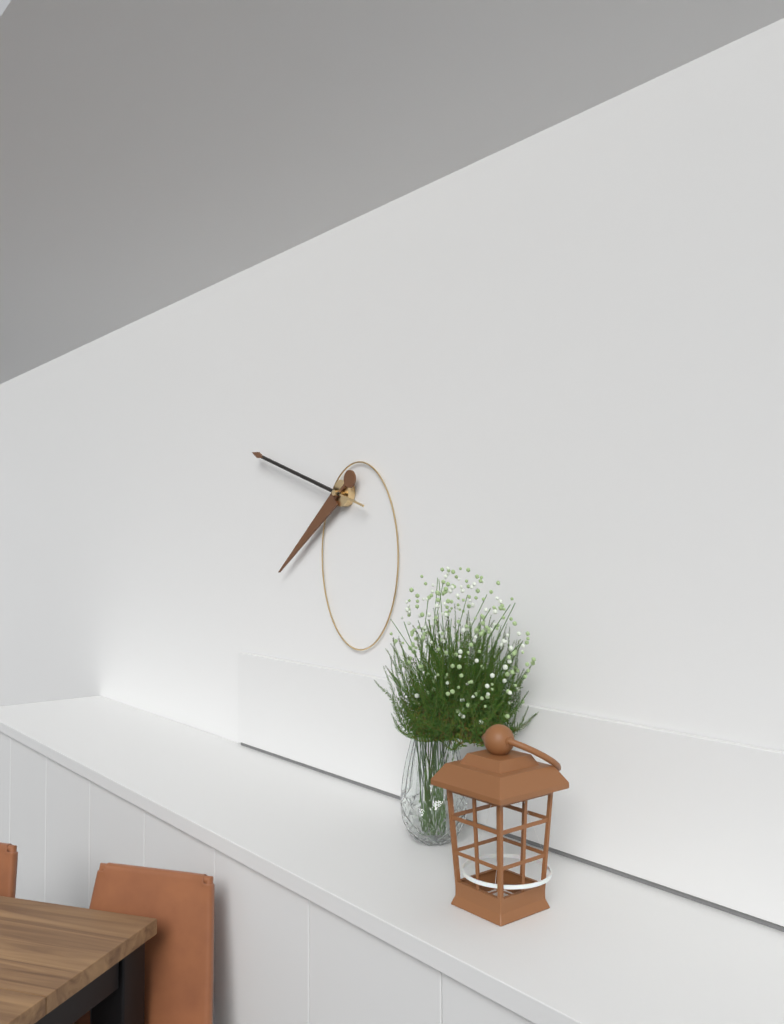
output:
7:48
